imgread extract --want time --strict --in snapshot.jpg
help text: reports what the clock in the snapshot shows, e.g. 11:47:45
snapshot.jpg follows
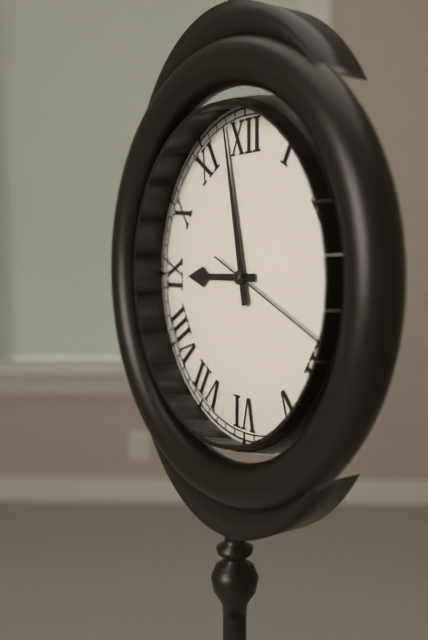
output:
8:58:19
